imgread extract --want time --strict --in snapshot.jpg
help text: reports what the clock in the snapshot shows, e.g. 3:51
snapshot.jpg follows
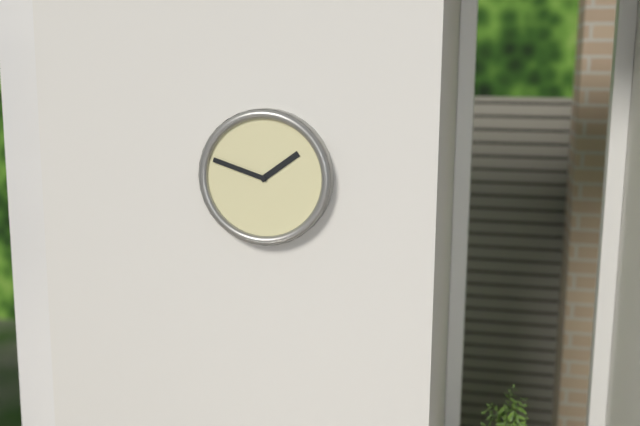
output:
1:48
